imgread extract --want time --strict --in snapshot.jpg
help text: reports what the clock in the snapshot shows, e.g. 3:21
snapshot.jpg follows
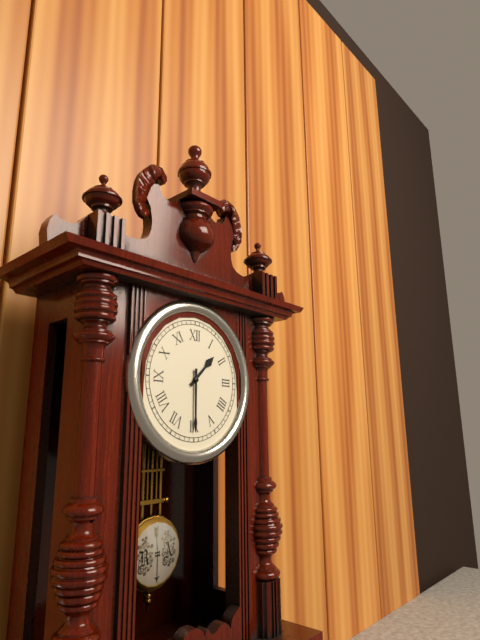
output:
1:30
